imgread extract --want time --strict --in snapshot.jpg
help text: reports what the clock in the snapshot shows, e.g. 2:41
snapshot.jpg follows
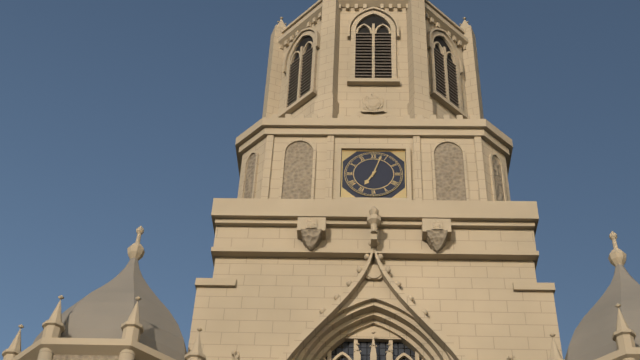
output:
7:03
